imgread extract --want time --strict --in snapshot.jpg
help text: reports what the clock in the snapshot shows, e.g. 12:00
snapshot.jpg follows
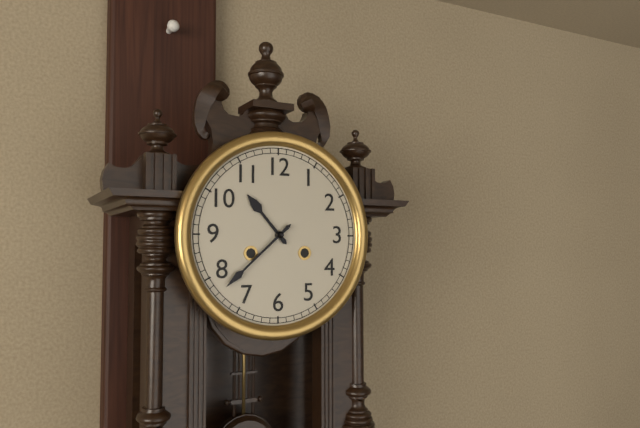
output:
10:38
